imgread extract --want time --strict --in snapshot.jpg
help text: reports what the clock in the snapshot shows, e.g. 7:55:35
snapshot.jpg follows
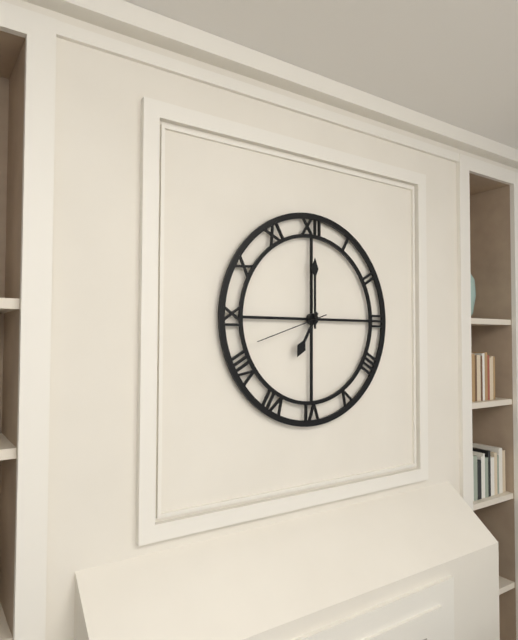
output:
7:00:42
